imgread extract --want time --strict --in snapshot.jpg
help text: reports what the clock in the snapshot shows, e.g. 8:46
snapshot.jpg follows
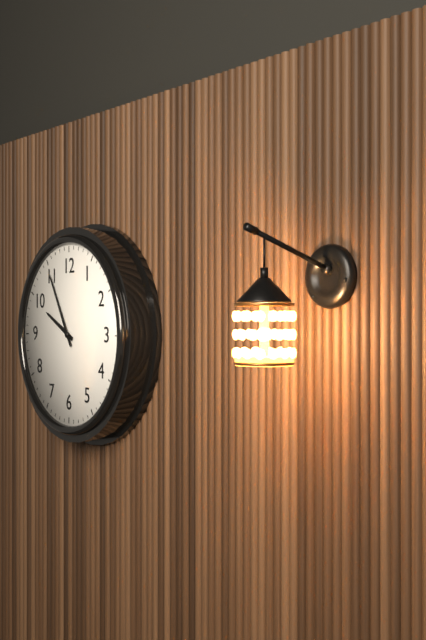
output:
9:55
